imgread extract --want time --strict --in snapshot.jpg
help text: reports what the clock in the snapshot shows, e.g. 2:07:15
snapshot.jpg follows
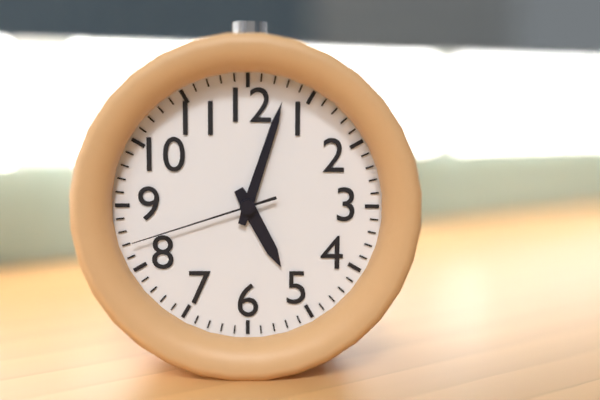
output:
5:03:42
